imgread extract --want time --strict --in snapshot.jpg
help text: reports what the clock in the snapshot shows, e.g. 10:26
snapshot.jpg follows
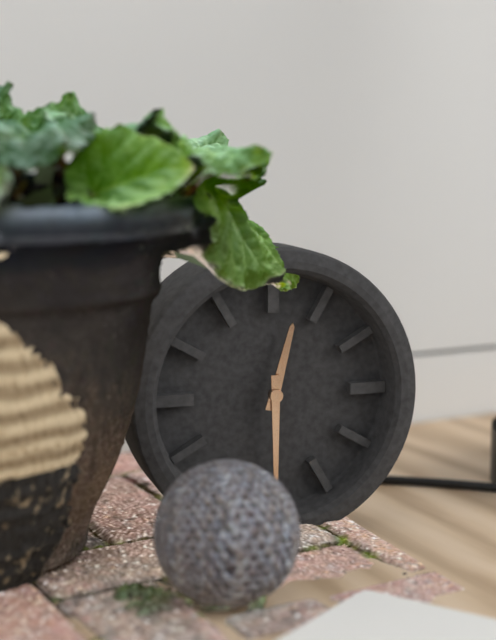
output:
12:30
